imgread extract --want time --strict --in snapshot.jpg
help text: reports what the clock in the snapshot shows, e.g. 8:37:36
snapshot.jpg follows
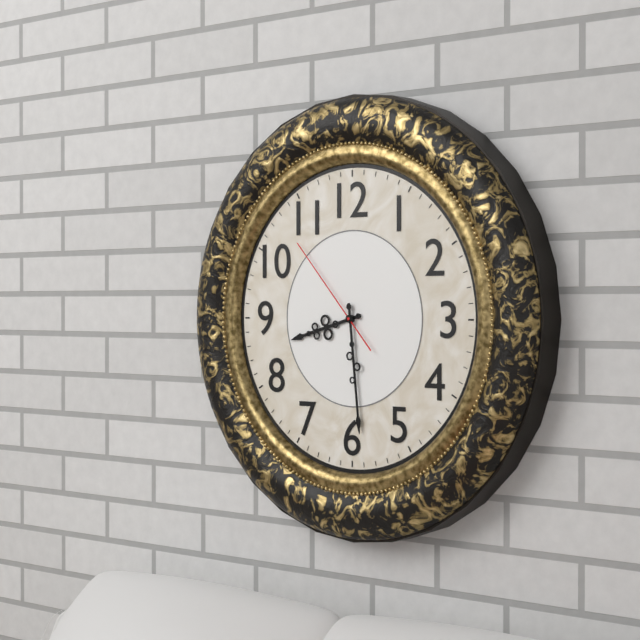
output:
8:29:53
